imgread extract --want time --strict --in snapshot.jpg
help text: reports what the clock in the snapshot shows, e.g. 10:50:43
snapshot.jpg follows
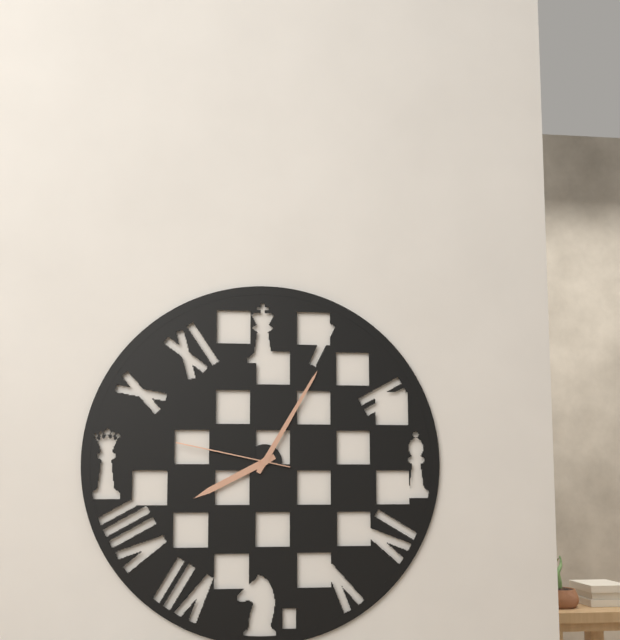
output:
8:05:47
